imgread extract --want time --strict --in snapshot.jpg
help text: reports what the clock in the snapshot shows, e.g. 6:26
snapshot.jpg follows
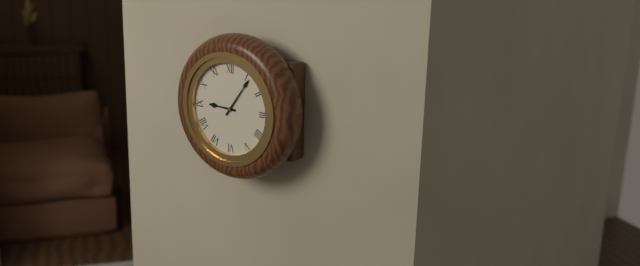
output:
9:06
